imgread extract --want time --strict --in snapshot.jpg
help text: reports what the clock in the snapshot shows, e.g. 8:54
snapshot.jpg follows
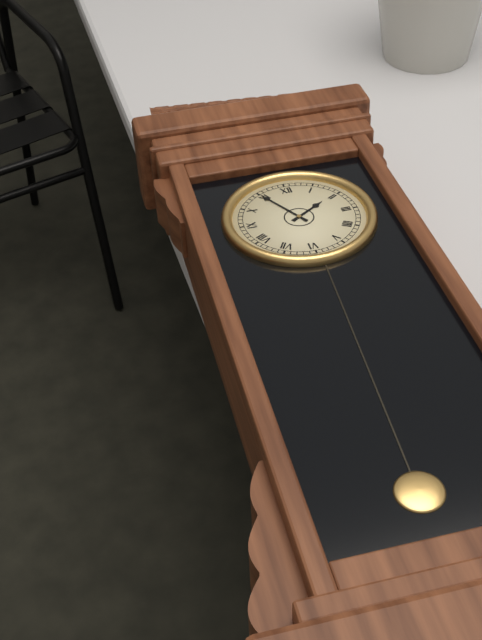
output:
1:55
